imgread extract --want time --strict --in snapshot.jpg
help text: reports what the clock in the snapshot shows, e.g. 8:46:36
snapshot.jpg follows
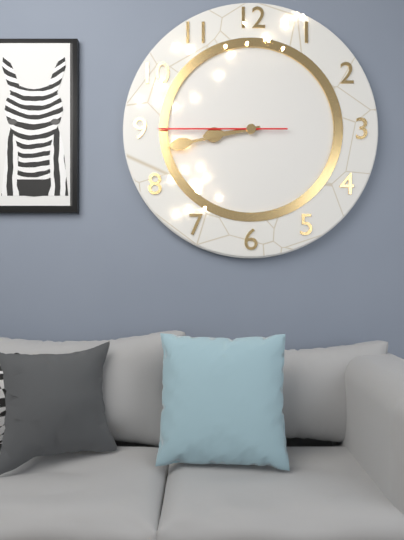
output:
8:43:45
